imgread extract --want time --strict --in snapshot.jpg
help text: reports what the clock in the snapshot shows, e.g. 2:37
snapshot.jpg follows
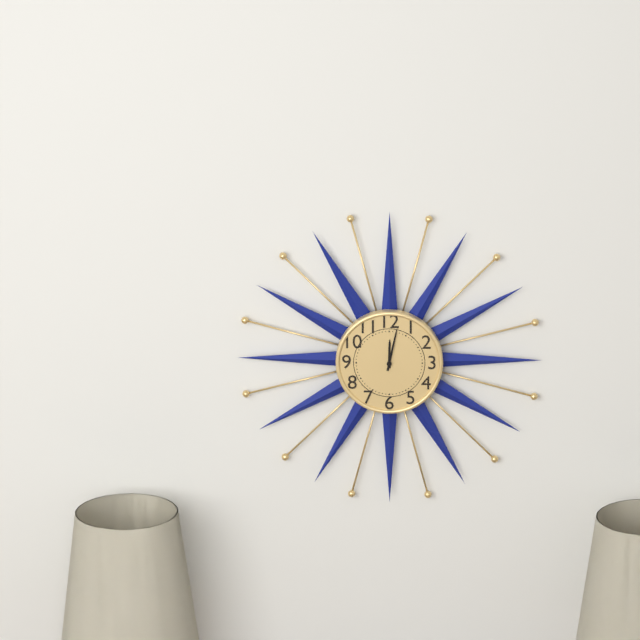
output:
12:02
